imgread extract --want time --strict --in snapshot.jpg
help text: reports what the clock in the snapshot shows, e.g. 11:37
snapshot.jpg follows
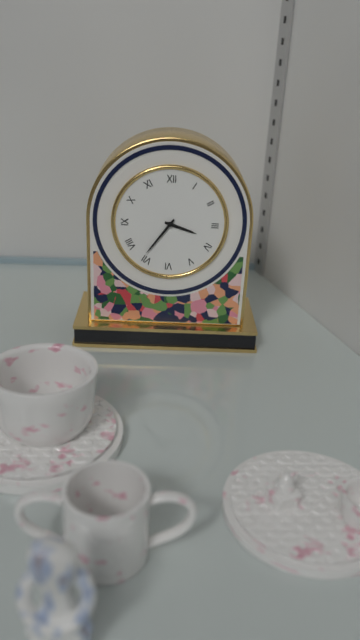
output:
3:36
